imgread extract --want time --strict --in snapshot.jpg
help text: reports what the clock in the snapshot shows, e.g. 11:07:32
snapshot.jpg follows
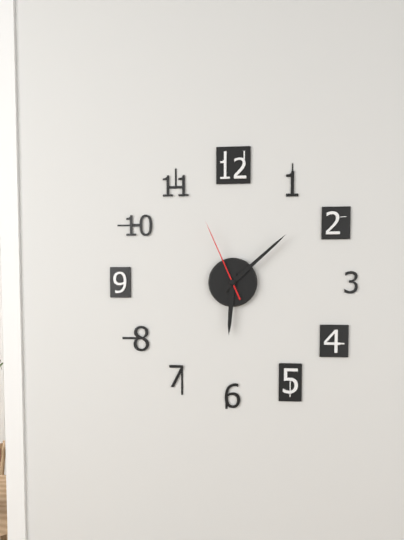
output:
6:08:56
